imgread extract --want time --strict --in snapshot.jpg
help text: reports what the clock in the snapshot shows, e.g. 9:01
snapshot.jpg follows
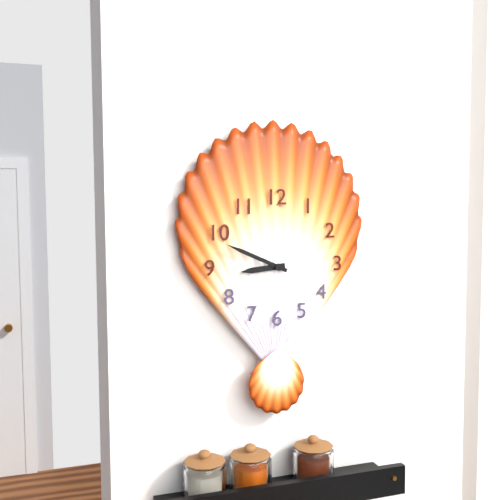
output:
8:49
